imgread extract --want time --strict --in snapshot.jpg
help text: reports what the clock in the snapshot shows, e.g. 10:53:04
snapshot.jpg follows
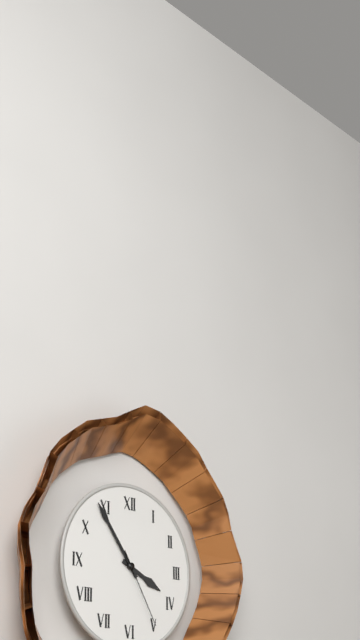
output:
3:54:25
